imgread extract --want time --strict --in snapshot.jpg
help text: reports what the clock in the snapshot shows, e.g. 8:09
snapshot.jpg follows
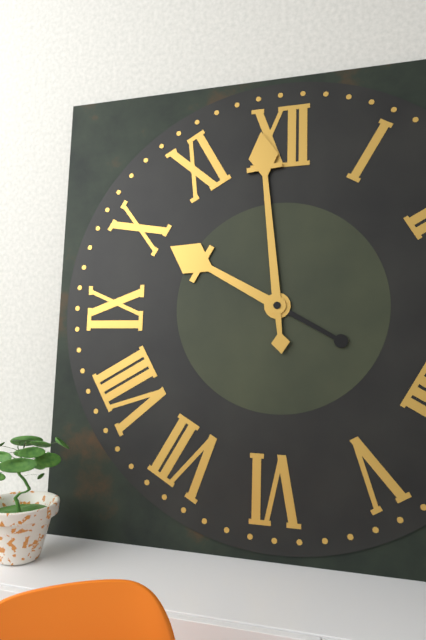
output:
9:59
